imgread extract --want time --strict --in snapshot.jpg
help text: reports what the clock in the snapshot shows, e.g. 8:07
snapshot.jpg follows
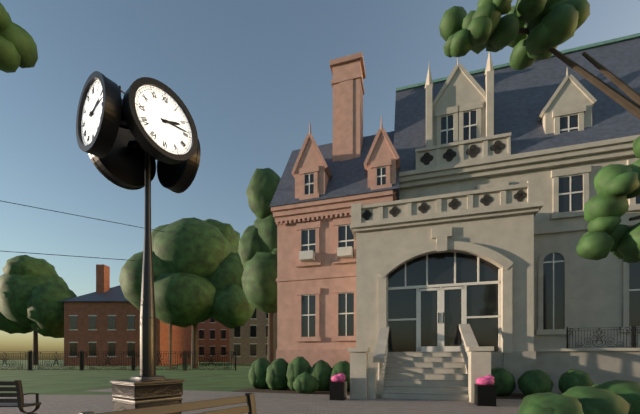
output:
2:14
